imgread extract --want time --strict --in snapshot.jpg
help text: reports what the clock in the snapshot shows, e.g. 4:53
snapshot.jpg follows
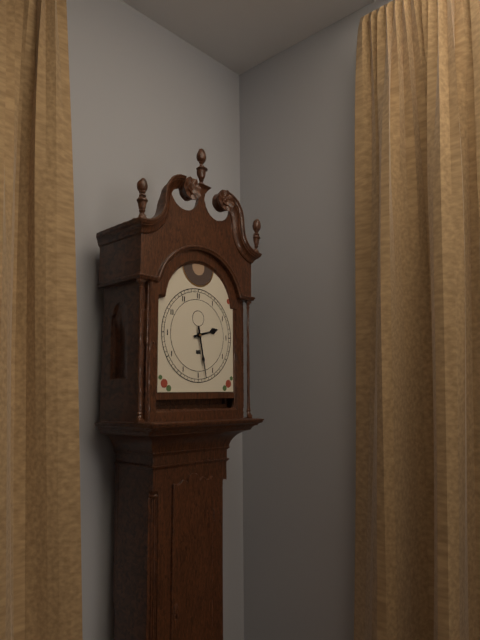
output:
2:28
